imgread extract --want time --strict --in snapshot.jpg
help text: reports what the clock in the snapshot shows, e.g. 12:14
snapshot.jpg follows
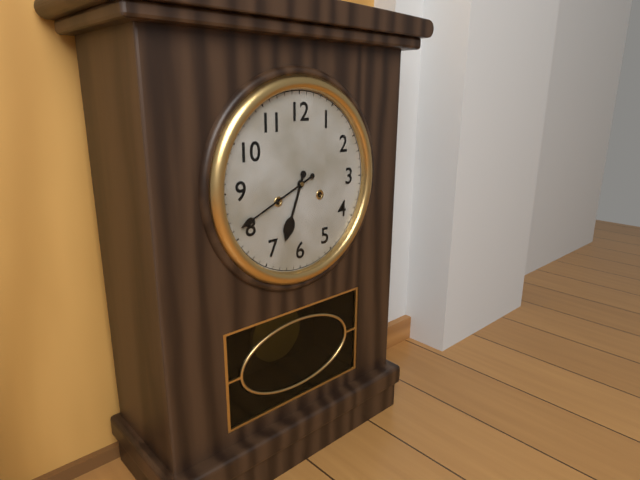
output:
6:41
